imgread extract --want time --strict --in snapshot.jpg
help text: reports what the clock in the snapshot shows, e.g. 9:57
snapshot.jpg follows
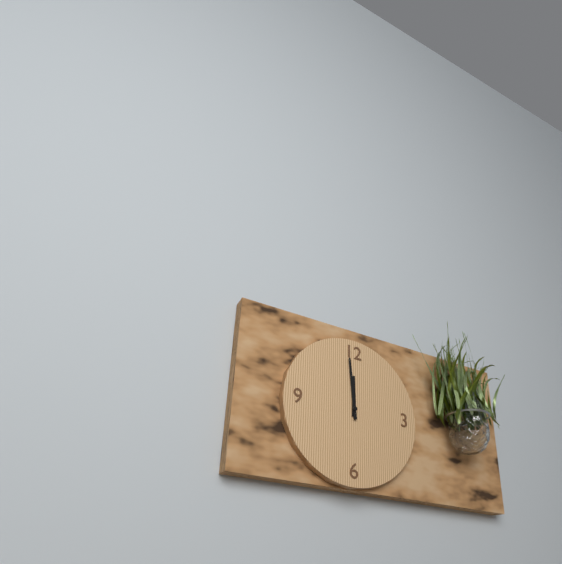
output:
11:59
